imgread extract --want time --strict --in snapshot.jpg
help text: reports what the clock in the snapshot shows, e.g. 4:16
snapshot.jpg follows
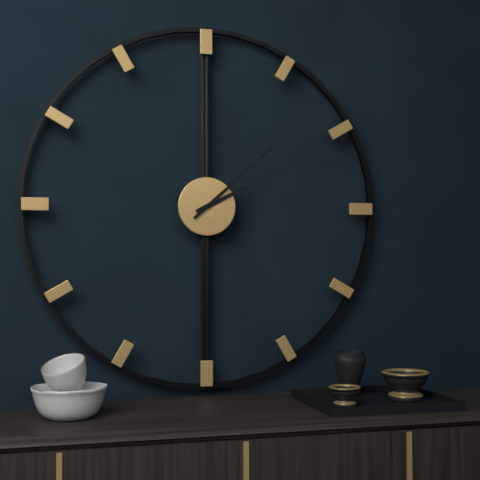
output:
2:08
